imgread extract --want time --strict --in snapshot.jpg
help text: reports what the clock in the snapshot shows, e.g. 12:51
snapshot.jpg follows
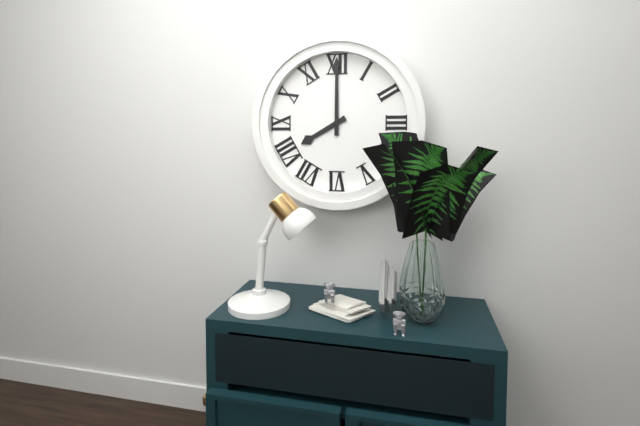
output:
8:00
